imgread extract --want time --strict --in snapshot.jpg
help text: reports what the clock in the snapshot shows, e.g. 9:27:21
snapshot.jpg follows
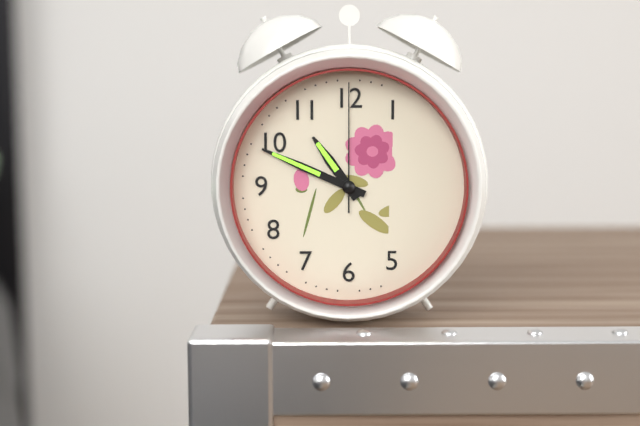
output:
10:49:00
